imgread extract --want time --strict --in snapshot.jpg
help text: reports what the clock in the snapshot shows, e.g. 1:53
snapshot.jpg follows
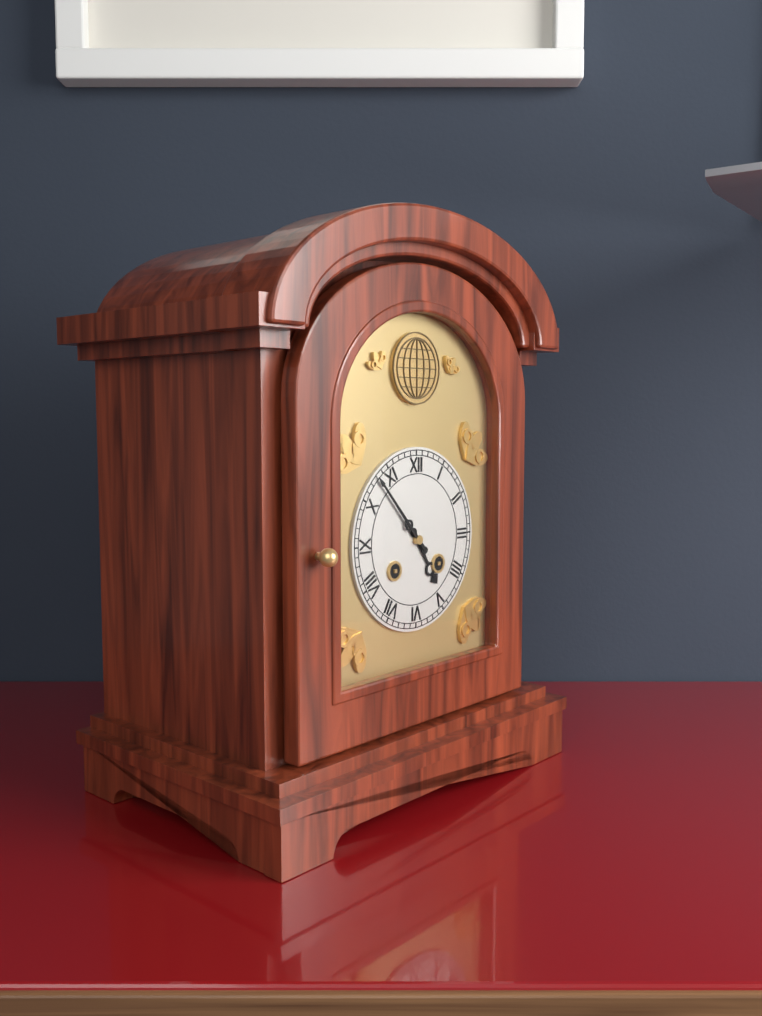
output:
4:53
